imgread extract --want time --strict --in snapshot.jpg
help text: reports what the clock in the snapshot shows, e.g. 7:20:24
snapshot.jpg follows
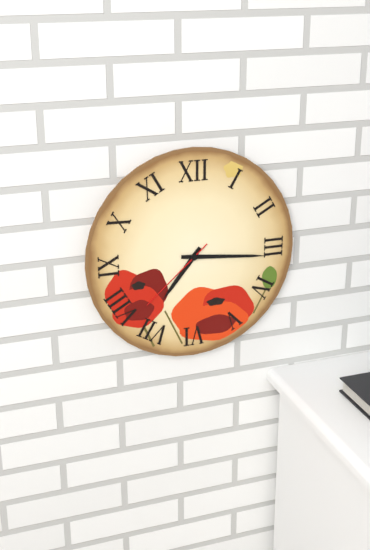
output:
7:16:38
